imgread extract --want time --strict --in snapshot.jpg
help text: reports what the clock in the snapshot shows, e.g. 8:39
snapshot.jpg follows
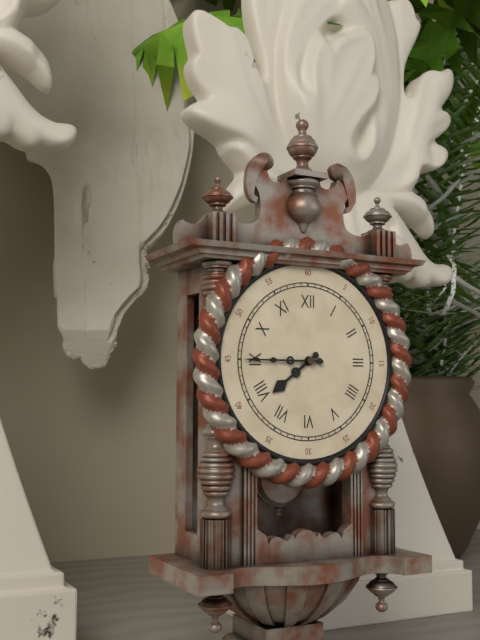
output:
7:45
